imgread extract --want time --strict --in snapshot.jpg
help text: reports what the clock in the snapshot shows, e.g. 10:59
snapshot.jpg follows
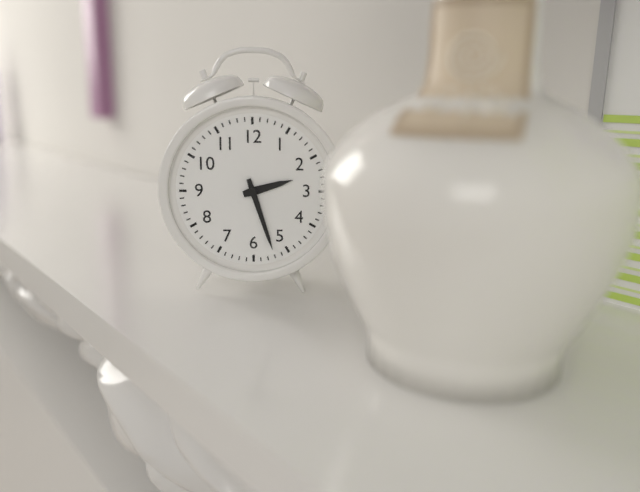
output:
2:27
